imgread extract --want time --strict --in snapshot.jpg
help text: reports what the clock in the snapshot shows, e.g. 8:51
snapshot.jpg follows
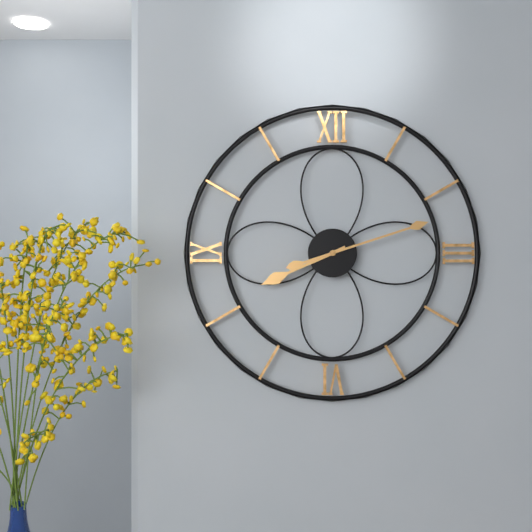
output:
8:12
